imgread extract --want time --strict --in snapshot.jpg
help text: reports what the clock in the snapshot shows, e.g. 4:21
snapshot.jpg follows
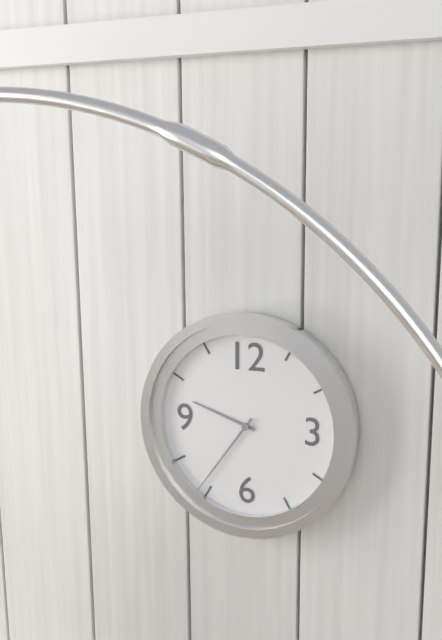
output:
9:36
